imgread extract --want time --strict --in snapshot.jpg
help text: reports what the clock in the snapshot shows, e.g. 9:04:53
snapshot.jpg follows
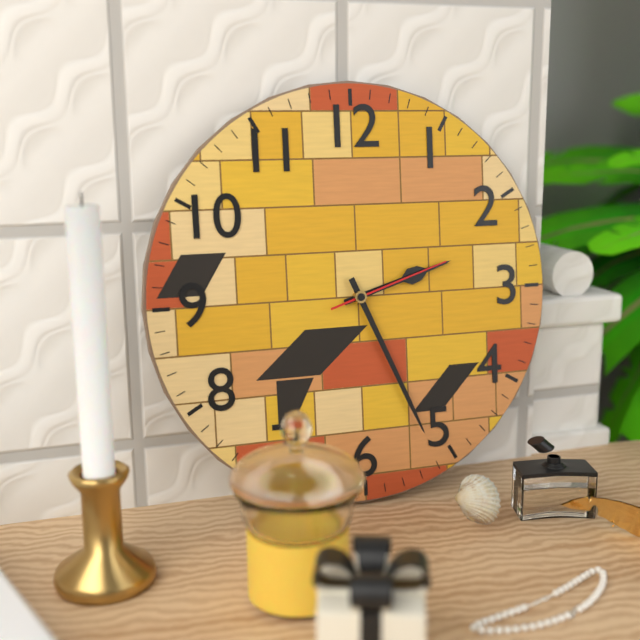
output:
2:26:12
